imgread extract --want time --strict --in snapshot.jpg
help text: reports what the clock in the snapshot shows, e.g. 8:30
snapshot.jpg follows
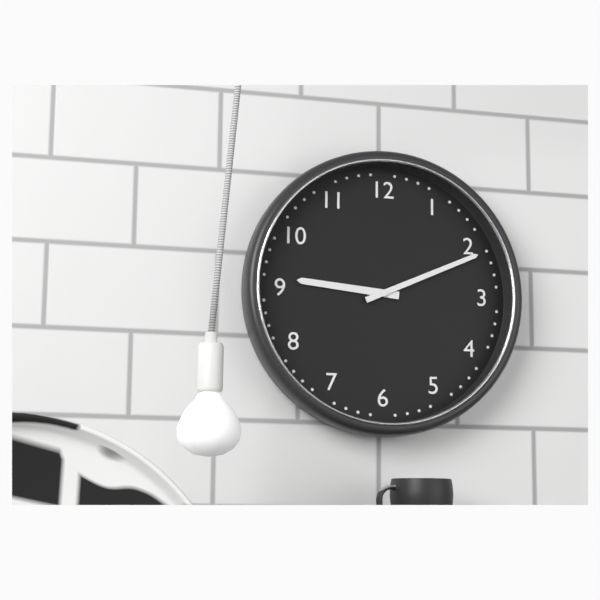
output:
9:11
